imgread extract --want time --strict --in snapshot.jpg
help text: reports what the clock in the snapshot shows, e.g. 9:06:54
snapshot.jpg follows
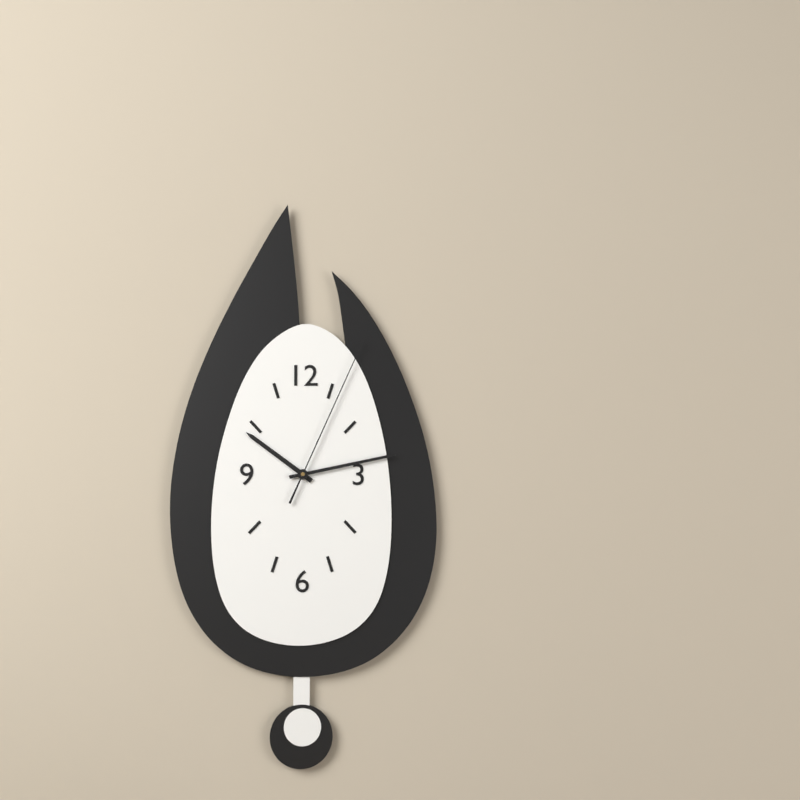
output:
10:13:04
